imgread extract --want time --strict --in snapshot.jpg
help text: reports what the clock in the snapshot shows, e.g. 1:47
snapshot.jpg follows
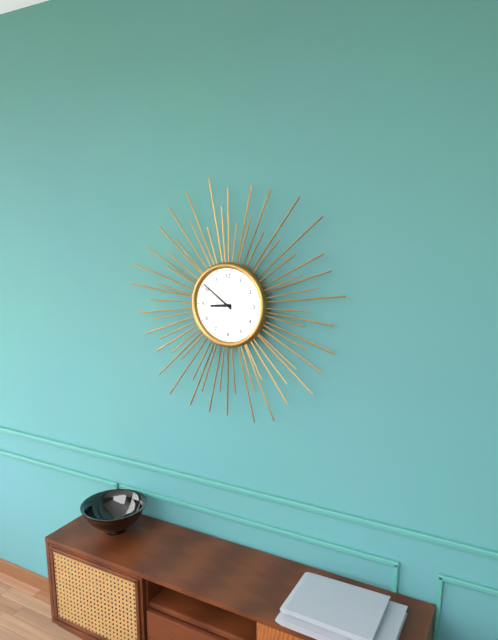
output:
8:51
